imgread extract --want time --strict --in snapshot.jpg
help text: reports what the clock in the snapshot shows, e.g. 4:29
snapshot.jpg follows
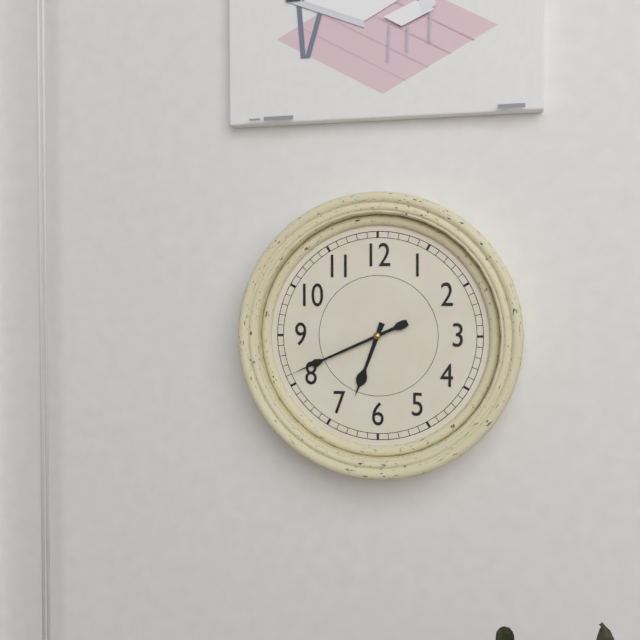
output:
6:41
